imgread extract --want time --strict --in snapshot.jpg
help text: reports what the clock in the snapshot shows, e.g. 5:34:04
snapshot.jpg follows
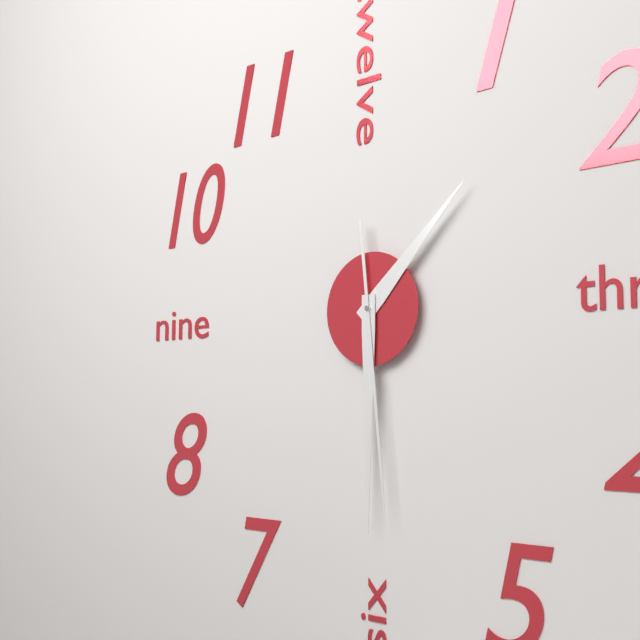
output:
1:30:29
